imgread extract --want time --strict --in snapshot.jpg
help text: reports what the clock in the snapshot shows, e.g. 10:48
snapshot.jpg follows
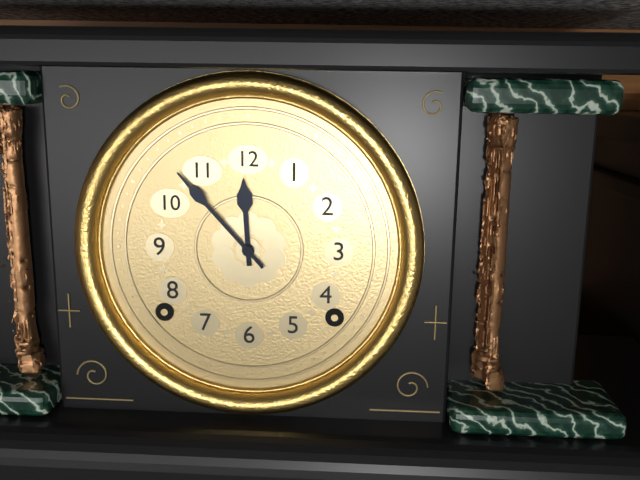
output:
11:53
